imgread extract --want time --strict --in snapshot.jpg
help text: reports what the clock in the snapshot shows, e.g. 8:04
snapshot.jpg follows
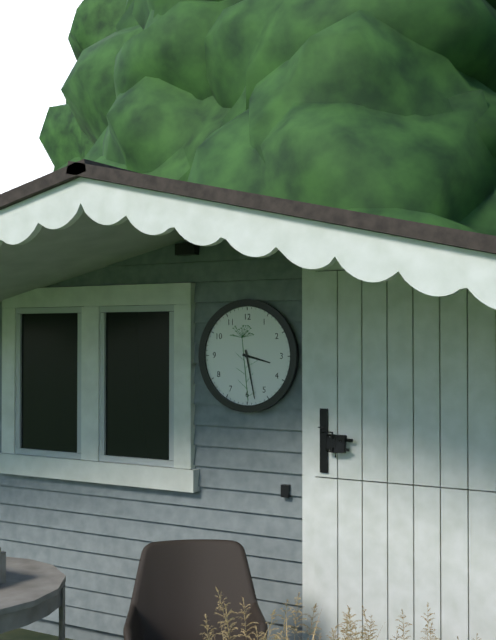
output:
3:28
